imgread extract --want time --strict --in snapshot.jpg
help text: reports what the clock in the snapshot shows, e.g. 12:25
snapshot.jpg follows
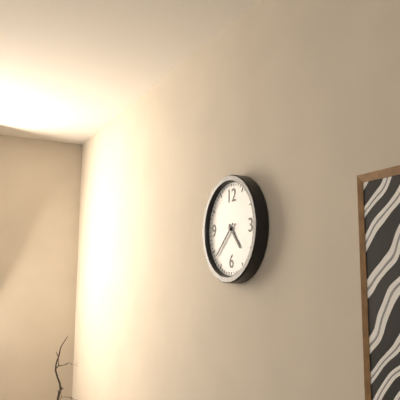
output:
4:38
